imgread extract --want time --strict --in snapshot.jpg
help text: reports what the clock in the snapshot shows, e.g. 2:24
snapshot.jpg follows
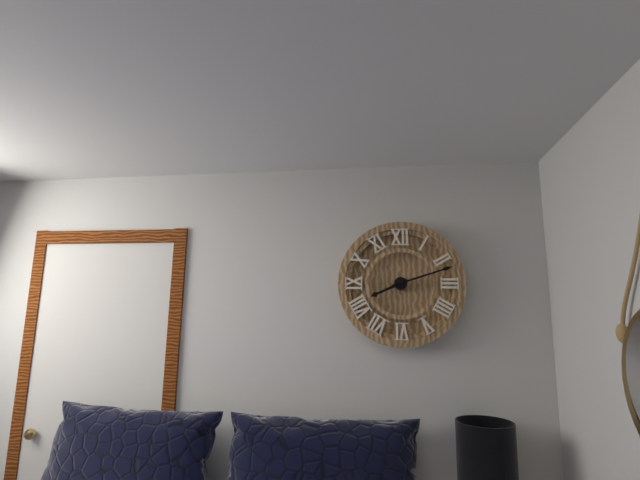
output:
8:12
